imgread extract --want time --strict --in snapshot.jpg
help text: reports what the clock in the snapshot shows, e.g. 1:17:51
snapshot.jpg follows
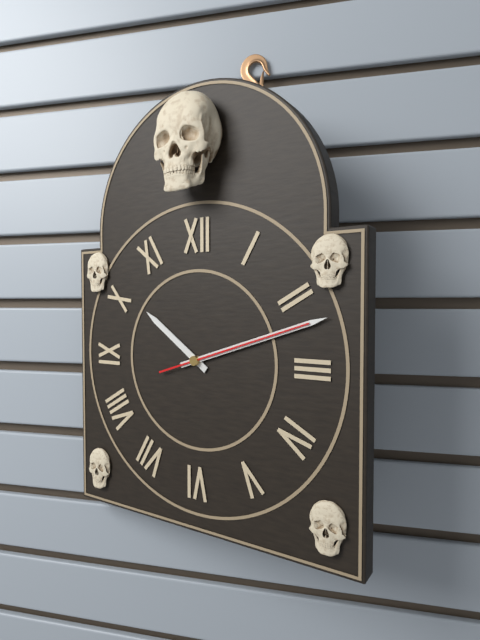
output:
10:12:12
